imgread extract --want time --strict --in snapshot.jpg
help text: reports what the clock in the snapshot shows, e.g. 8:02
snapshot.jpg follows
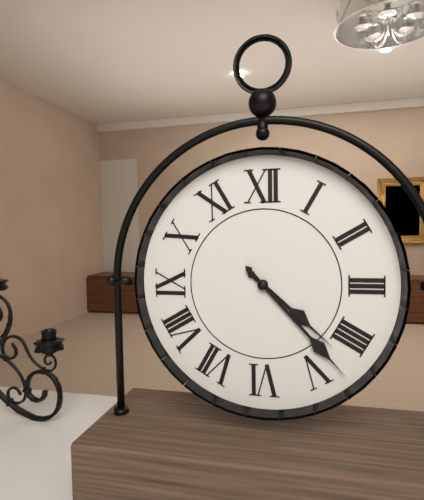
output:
4:23
